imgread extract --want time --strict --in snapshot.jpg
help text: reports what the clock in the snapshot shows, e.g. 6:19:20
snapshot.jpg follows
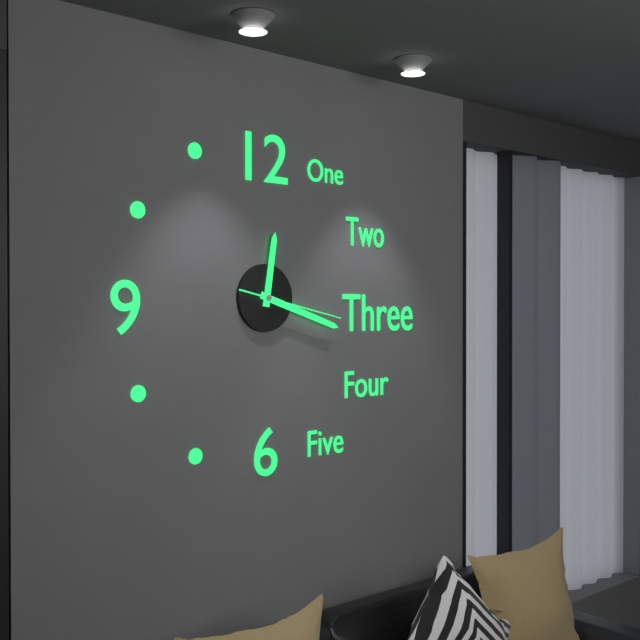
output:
12:18:17
